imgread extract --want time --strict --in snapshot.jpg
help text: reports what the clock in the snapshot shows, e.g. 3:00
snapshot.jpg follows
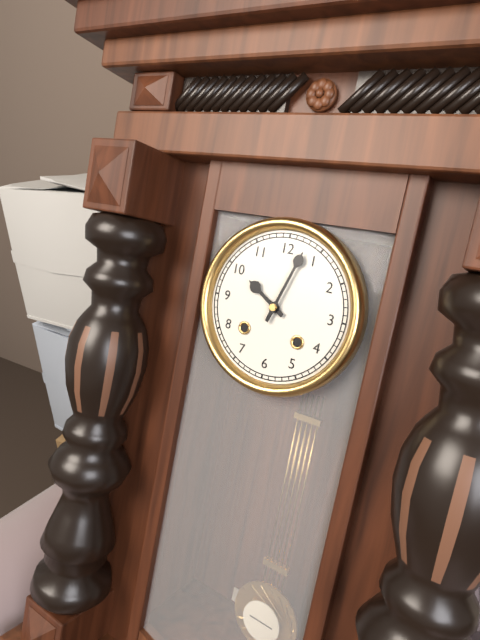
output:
10:03
